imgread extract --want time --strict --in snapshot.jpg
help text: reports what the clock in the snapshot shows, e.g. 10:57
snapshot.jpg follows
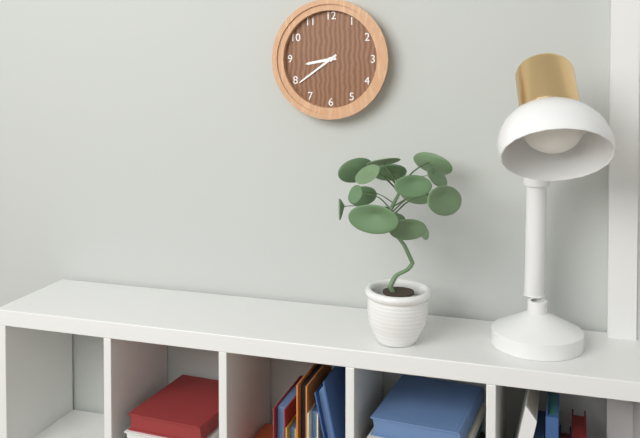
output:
8:39
